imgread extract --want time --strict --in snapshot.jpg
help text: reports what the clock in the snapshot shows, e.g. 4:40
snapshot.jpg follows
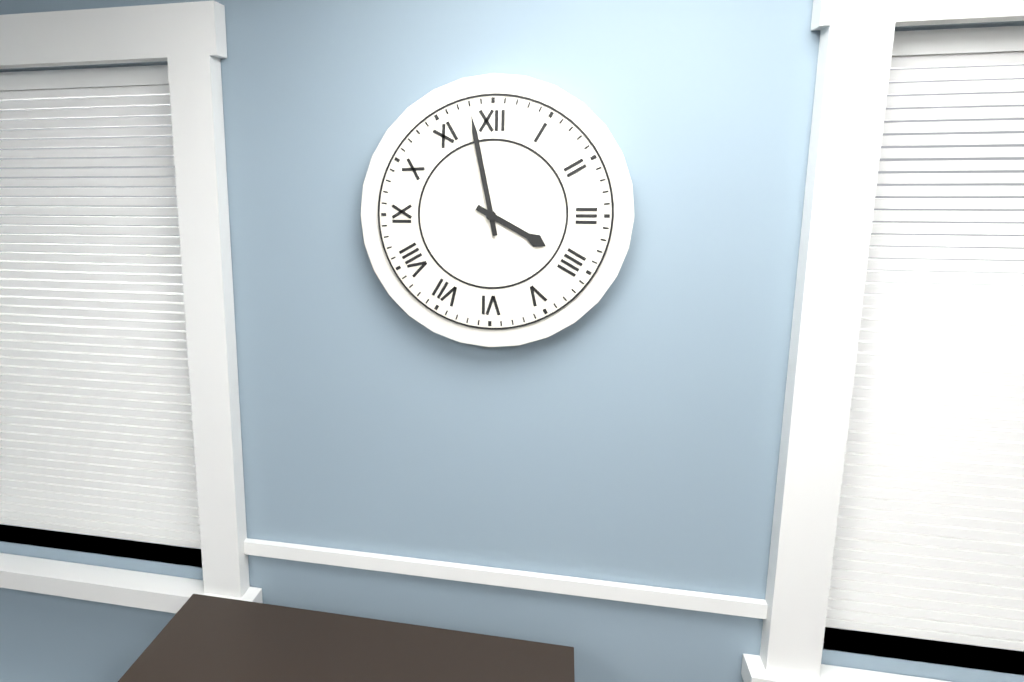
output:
3:58
